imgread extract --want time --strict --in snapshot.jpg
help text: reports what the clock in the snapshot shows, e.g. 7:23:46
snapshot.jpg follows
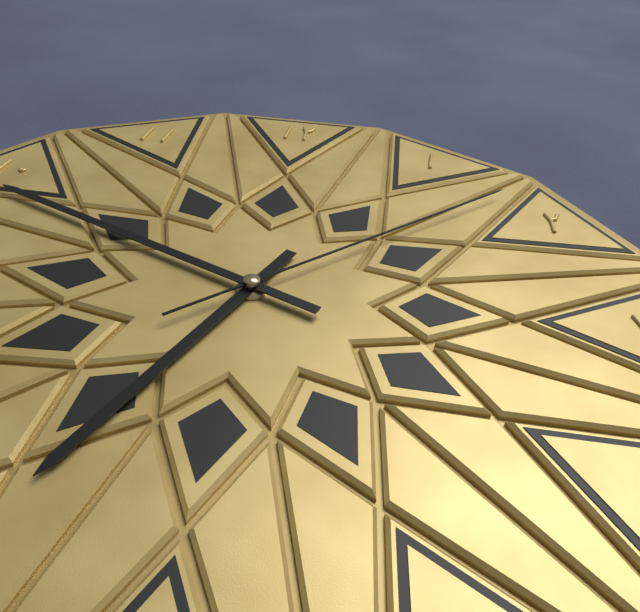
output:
6:49:08
